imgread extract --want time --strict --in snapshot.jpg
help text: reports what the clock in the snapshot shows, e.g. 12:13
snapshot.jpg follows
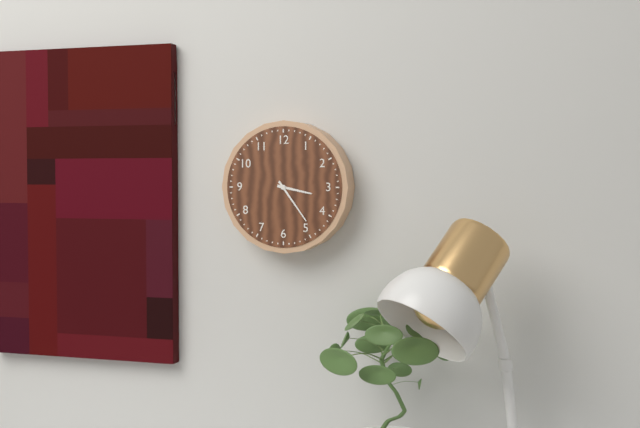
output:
3:24
